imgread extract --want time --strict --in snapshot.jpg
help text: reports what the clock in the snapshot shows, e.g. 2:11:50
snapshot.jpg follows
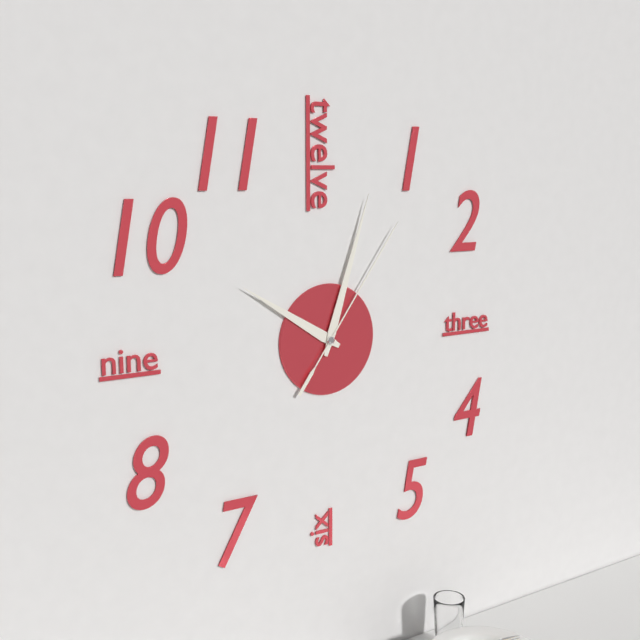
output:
10:03:06
